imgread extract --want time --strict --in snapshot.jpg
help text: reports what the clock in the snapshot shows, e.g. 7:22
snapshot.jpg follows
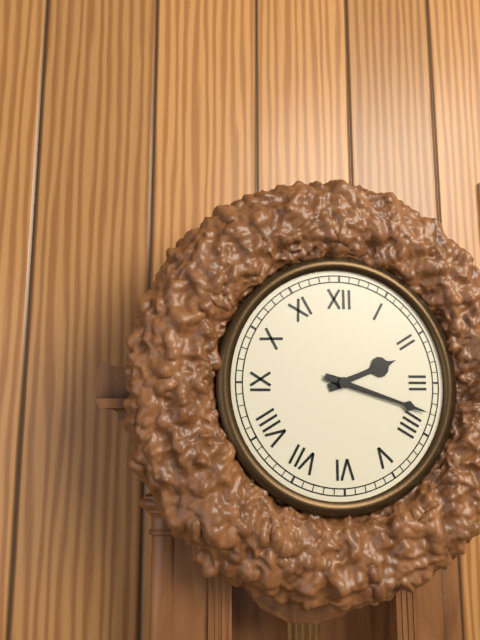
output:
2:18
